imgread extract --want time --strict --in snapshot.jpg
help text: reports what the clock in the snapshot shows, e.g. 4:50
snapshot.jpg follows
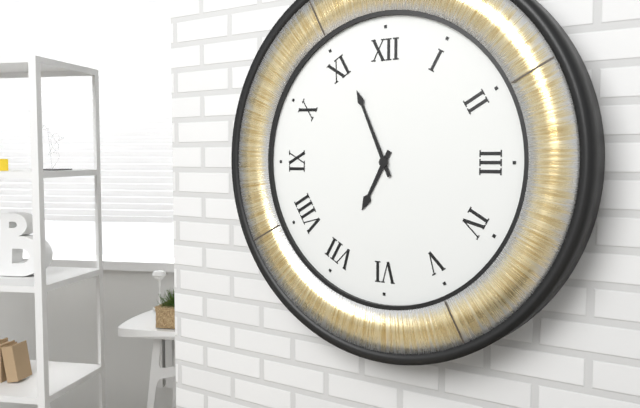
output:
6:56
